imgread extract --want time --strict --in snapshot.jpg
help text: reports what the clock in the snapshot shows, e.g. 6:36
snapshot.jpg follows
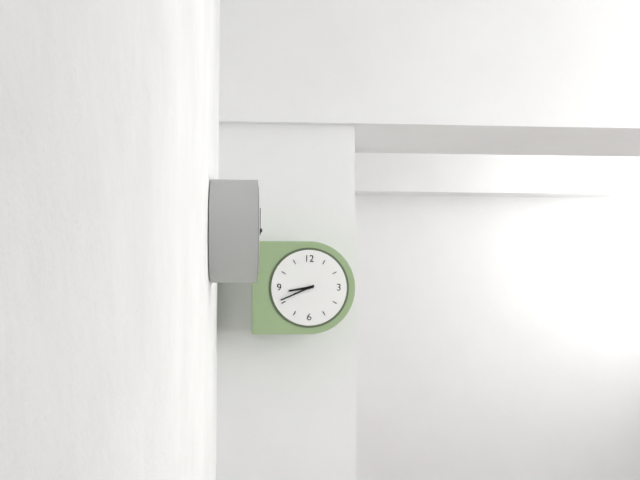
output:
8:41
